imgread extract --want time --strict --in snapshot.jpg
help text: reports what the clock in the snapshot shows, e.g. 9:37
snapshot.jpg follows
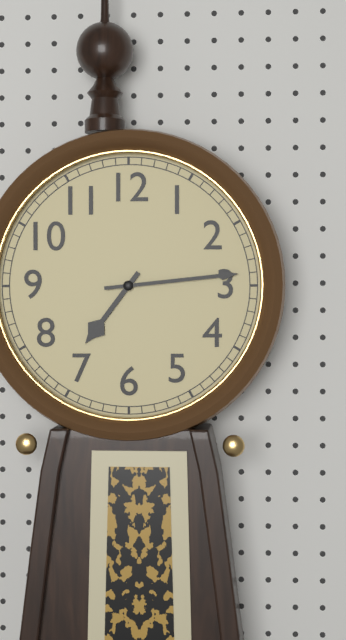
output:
7:14
